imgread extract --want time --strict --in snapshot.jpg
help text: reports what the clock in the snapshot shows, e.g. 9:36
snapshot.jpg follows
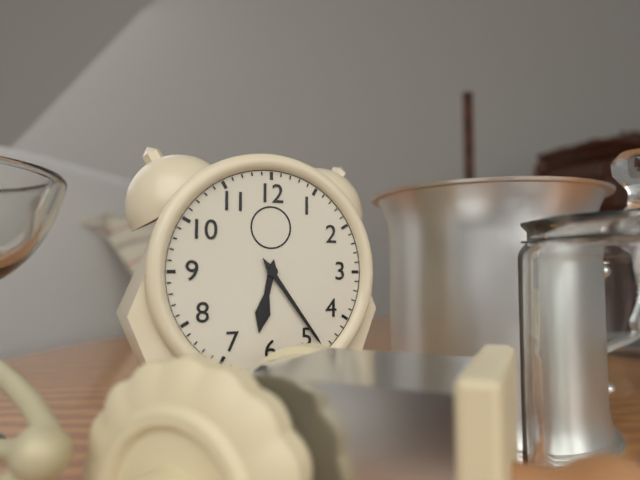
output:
6:24
